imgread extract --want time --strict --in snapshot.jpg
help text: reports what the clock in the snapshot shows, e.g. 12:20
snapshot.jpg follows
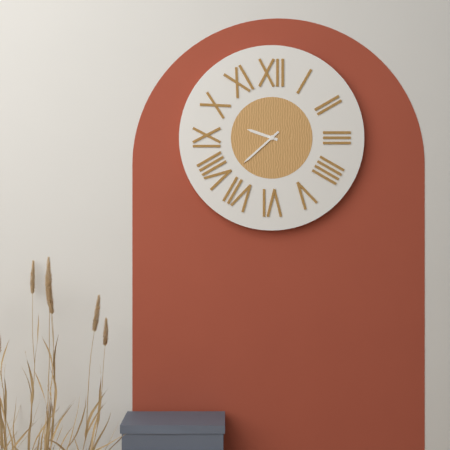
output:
9:38
